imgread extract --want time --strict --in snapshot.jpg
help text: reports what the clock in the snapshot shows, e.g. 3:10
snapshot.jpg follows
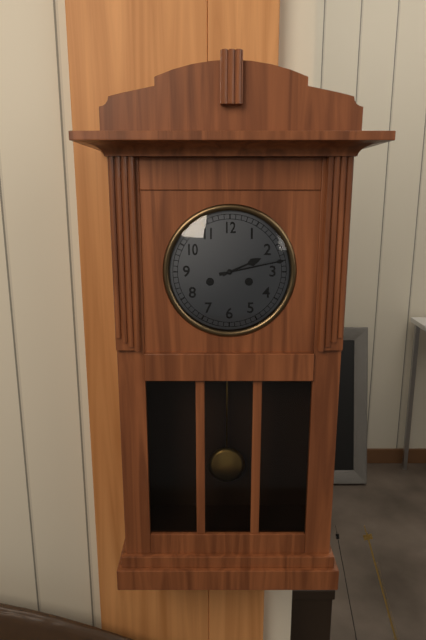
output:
2:13
